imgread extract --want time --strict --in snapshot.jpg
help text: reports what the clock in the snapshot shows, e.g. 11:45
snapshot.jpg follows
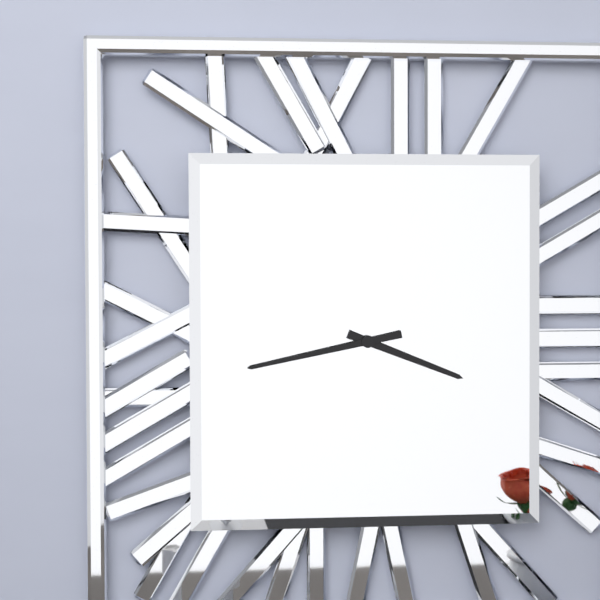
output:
3:43
